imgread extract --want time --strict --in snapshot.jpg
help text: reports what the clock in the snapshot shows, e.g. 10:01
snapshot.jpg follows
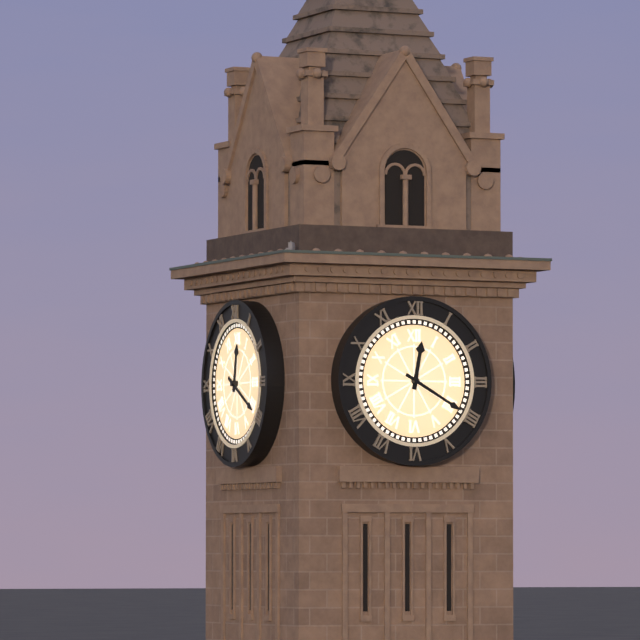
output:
12:20
